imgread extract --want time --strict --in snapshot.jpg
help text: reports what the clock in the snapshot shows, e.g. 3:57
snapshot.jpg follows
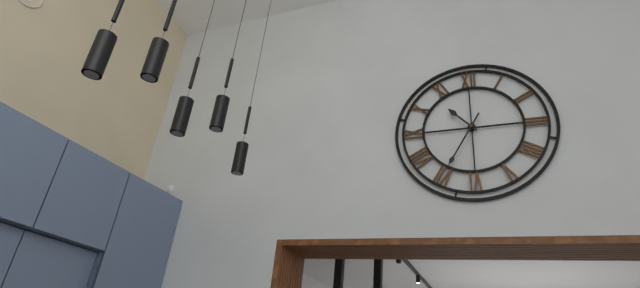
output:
10:35
